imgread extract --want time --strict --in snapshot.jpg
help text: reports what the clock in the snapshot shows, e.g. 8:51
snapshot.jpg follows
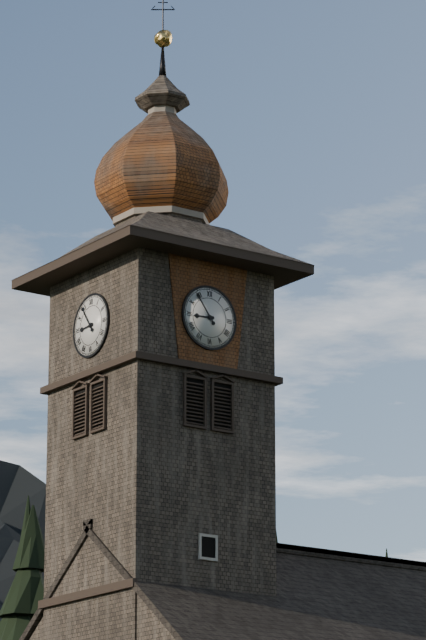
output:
8:54
